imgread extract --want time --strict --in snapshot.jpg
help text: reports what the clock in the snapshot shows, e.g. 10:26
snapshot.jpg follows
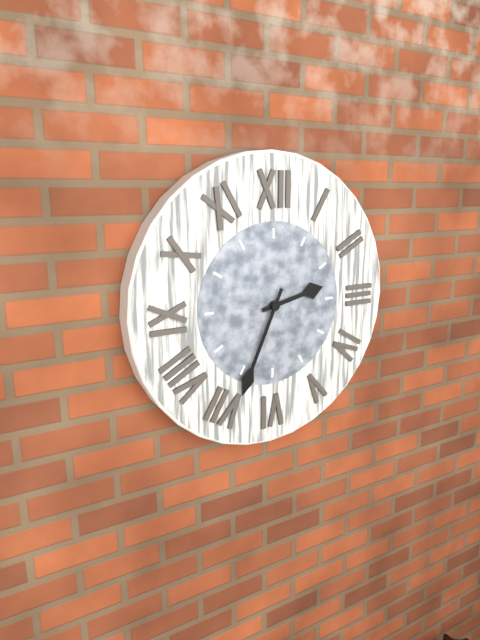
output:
2:34
